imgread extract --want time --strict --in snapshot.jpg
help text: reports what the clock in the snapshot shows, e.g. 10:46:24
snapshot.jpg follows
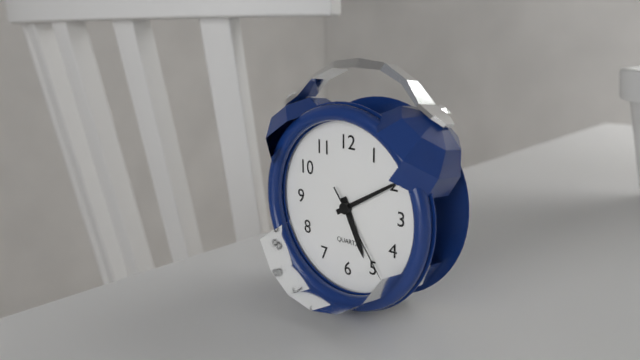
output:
5:10:24
